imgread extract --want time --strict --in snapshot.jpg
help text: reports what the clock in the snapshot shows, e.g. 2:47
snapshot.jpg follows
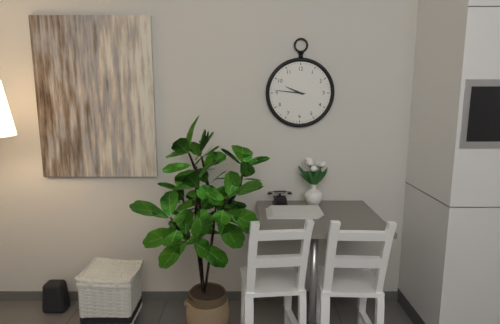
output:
9:46
